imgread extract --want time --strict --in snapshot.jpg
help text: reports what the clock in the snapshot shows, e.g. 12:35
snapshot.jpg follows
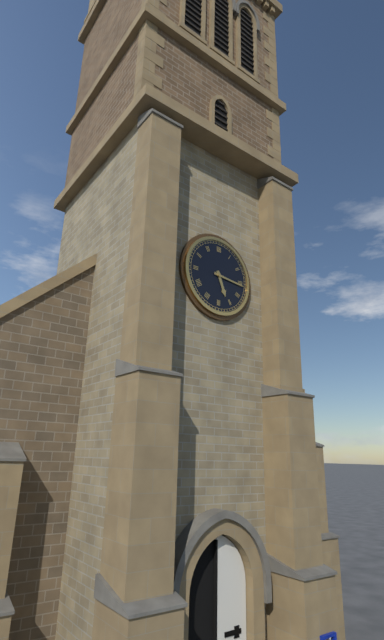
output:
5:16
